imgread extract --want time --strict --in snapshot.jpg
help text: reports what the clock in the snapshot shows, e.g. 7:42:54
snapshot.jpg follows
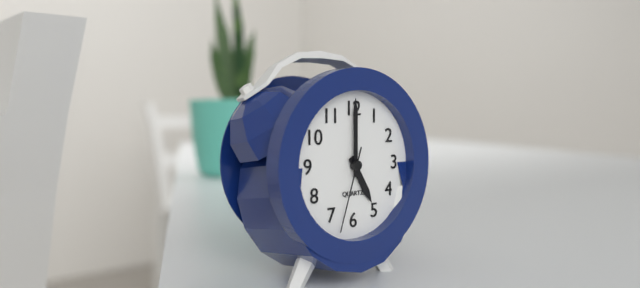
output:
5:00:33
